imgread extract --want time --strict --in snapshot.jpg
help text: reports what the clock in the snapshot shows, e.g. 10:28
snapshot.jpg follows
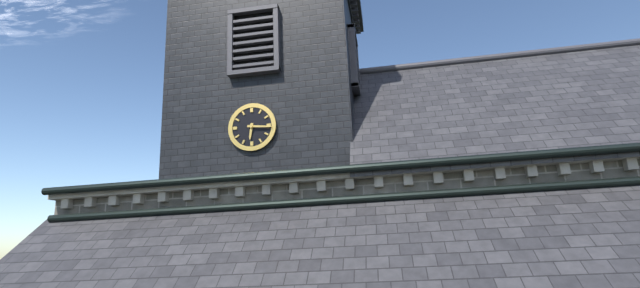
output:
6:16
